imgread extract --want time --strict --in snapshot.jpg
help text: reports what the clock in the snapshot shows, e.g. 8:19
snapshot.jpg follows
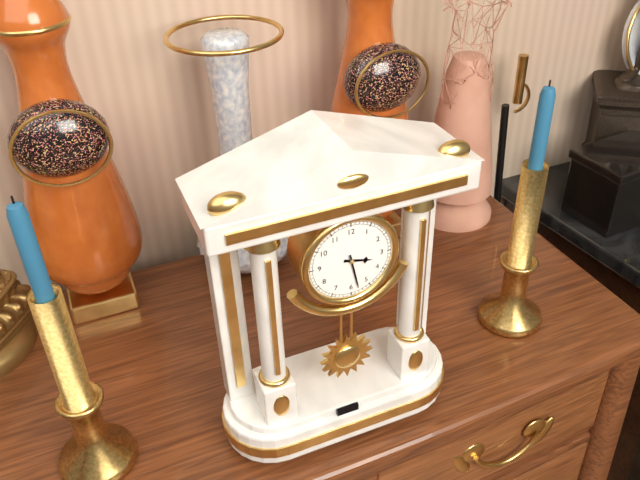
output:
3:28
